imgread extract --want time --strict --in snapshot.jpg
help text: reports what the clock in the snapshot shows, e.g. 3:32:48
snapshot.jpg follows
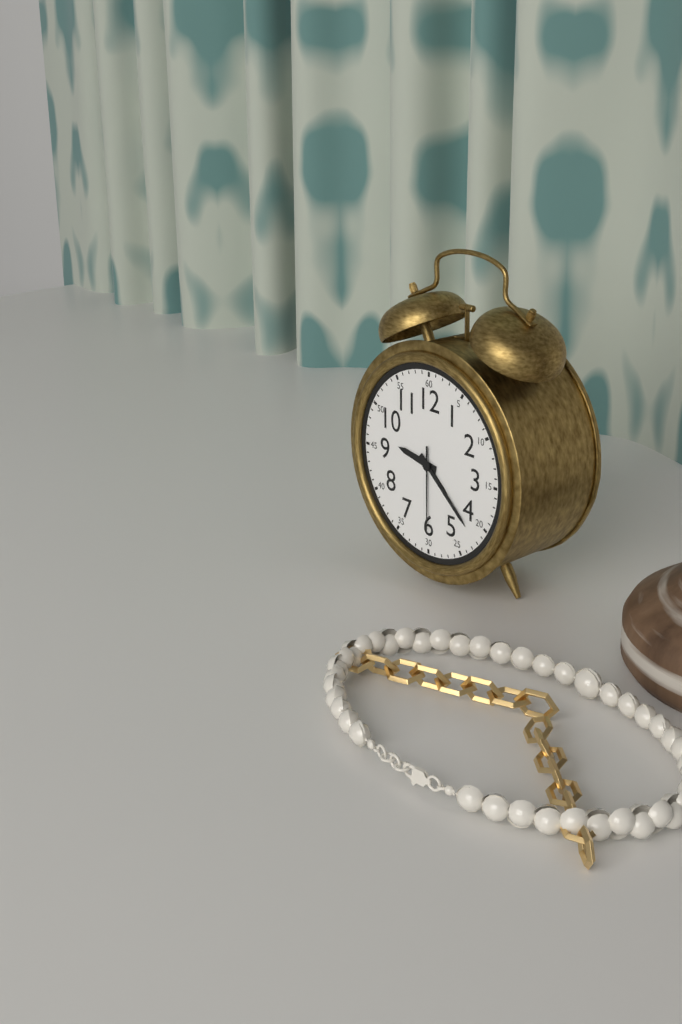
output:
9:22:30
